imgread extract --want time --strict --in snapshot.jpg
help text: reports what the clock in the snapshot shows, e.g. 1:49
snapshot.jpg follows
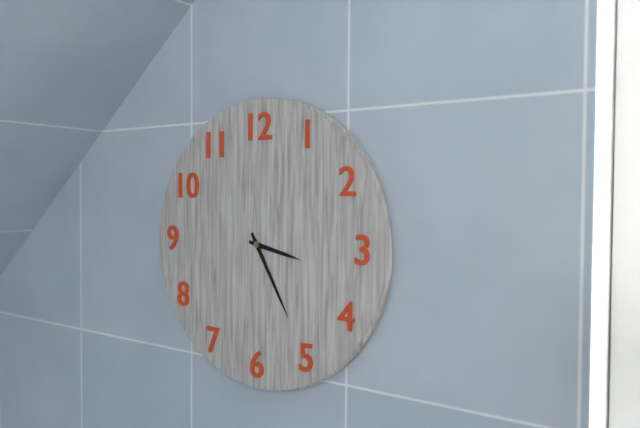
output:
3:25
